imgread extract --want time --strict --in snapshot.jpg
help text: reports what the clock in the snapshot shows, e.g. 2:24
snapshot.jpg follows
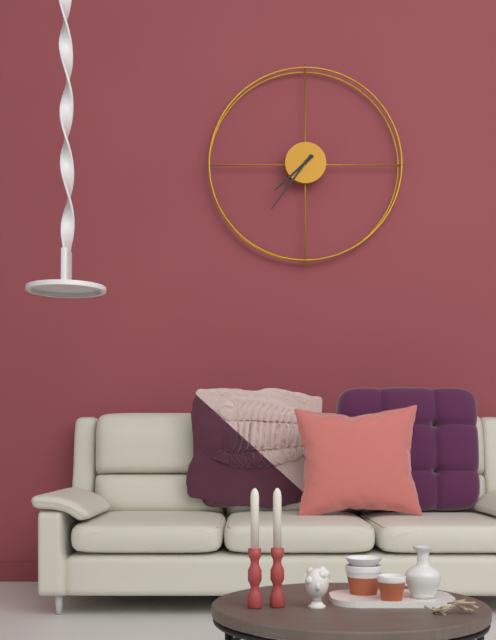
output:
7:36
